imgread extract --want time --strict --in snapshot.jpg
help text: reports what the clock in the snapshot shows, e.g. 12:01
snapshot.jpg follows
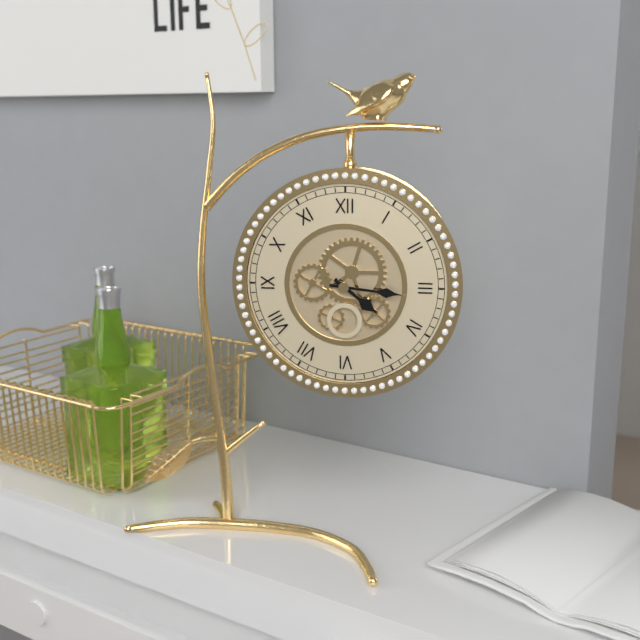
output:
4:16
